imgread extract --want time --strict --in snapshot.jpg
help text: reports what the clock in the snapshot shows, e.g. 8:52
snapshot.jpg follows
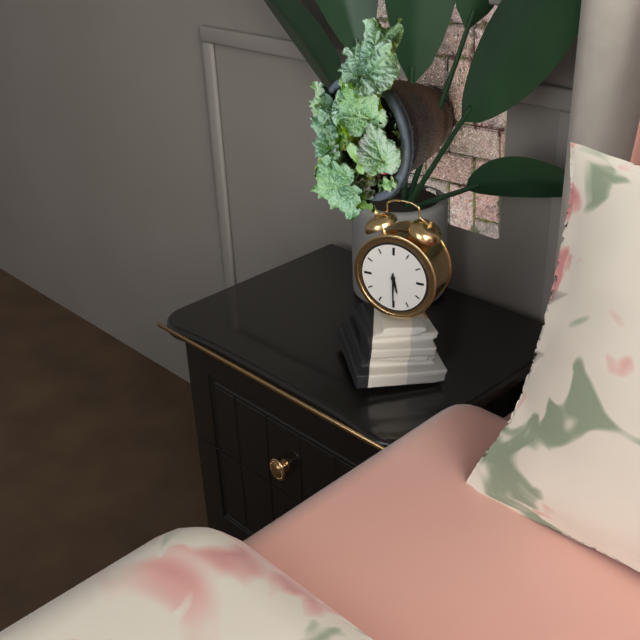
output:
5:30
